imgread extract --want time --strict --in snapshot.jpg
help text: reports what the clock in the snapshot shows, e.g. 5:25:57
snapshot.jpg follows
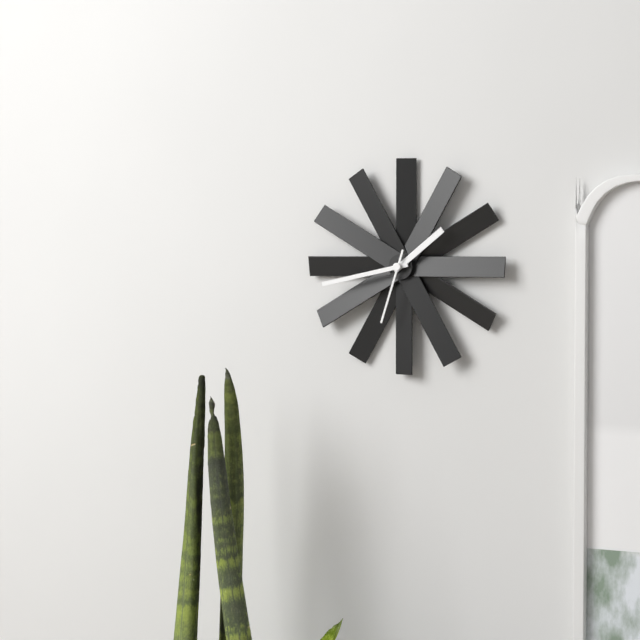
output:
1:43:33
